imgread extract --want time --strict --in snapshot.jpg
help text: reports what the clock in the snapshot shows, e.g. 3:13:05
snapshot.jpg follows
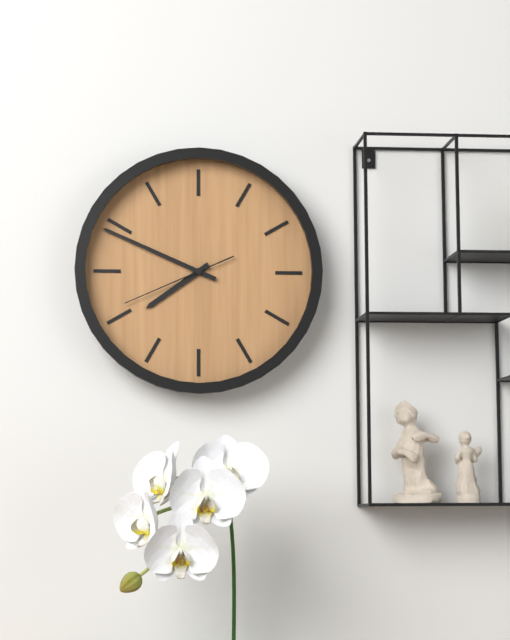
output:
7:49:41
